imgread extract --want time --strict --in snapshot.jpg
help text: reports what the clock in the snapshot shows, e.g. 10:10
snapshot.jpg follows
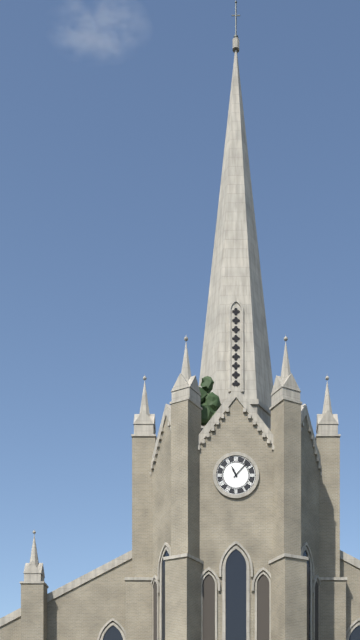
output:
11:07
